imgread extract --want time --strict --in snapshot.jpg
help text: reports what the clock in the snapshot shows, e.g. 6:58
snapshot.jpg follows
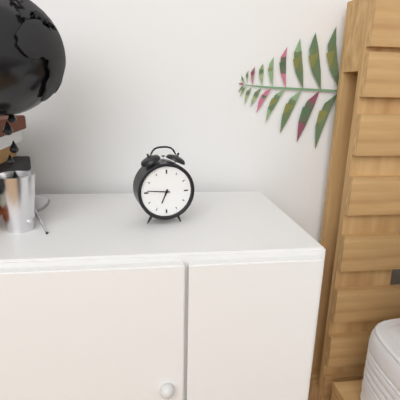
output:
6:46
